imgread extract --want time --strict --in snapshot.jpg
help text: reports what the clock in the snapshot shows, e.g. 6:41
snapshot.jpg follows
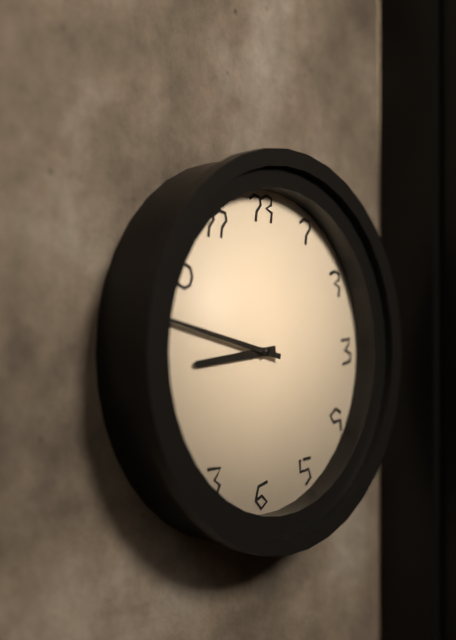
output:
8:47
